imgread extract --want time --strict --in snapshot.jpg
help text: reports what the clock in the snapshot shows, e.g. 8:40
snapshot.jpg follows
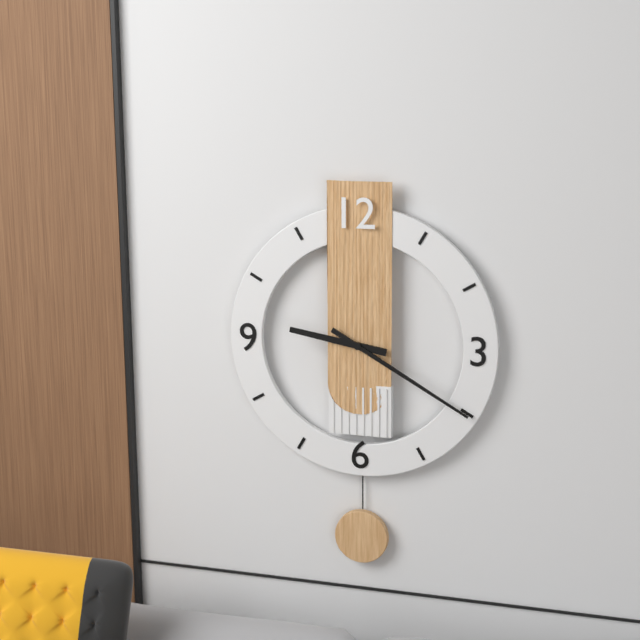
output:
9:20
